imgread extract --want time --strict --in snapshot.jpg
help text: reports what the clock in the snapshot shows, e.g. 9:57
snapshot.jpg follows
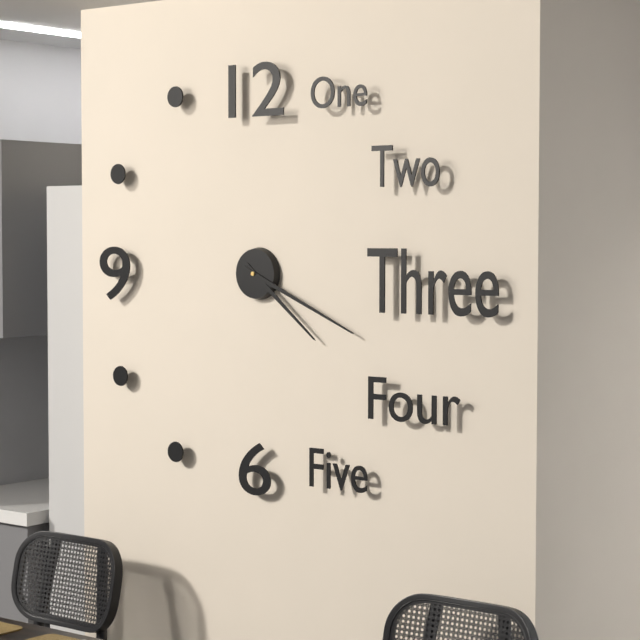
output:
4:19
